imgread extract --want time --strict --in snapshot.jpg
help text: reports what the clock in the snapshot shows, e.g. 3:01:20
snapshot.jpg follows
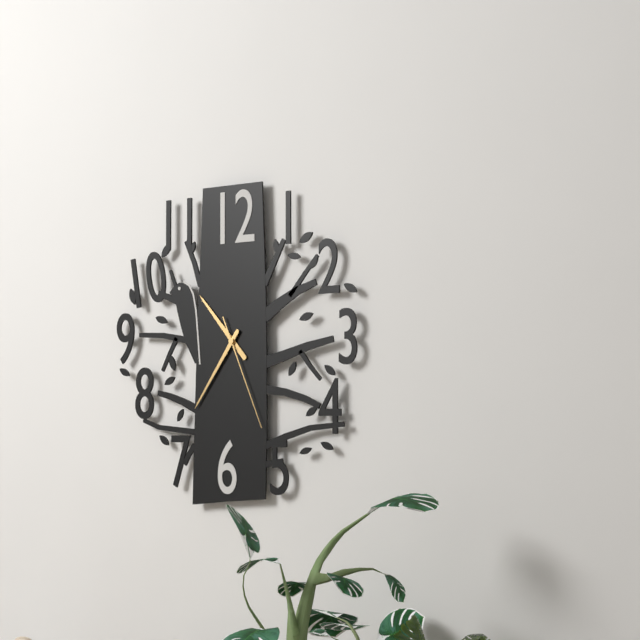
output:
10:36:26
